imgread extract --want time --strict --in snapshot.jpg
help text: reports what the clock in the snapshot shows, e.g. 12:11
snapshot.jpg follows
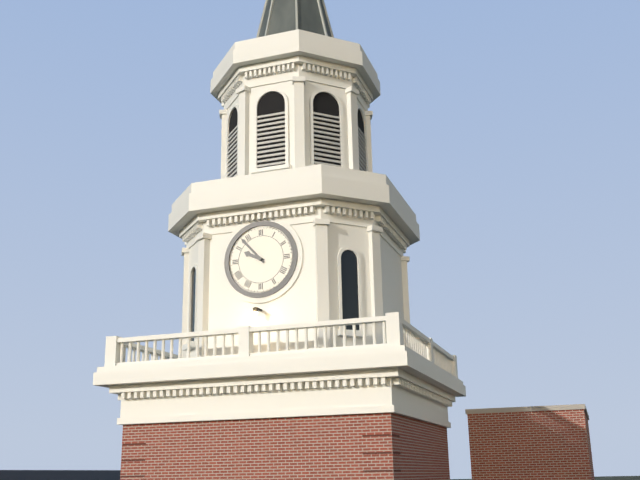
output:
9:53
